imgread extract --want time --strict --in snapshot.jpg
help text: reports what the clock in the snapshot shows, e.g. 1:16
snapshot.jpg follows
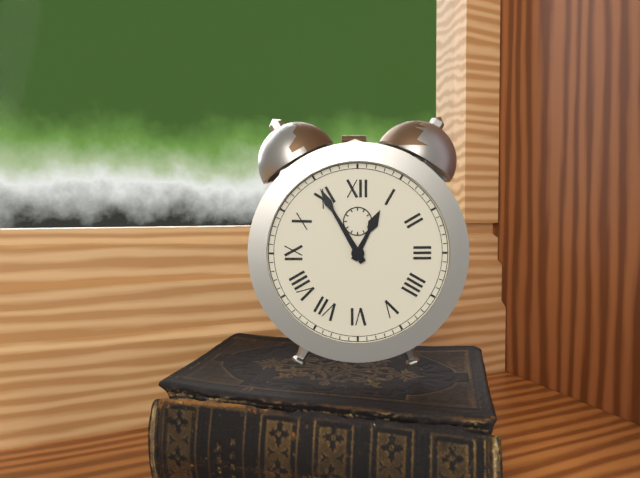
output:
12:55
